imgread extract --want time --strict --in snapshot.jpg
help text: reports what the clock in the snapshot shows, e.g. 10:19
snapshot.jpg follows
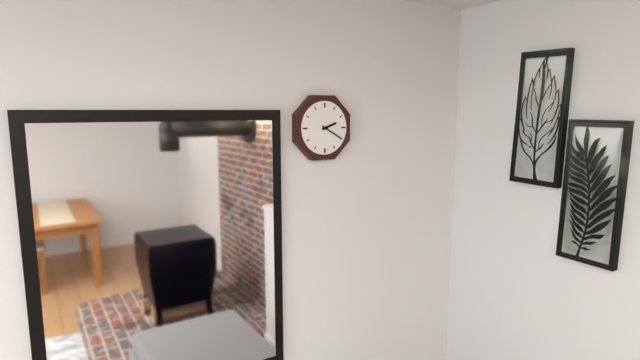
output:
2:20
